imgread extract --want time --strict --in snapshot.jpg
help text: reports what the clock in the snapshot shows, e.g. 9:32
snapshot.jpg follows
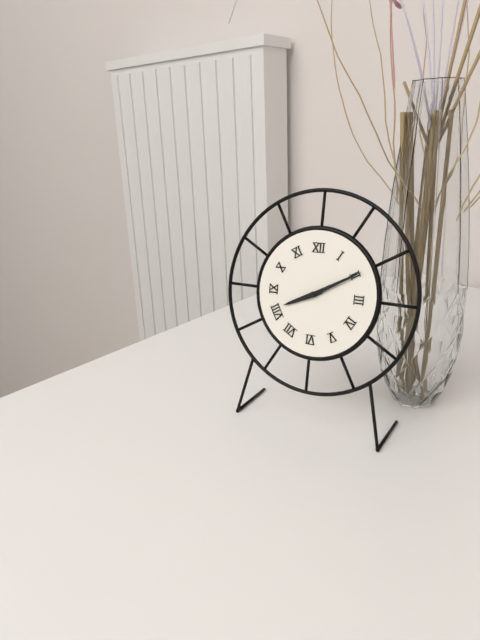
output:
8:10
